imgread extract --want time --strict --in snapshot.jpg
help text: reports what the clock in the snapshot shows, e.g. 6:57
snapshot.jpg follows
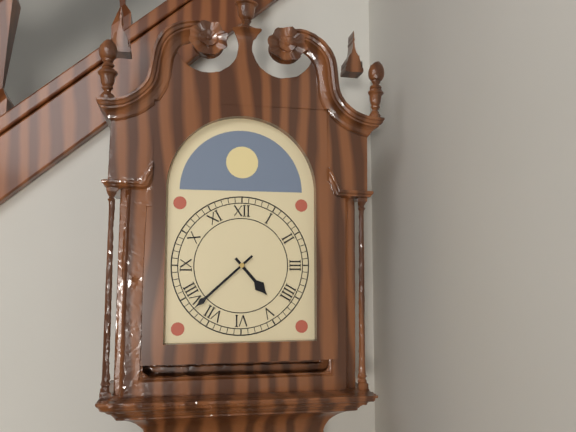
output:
4:38
